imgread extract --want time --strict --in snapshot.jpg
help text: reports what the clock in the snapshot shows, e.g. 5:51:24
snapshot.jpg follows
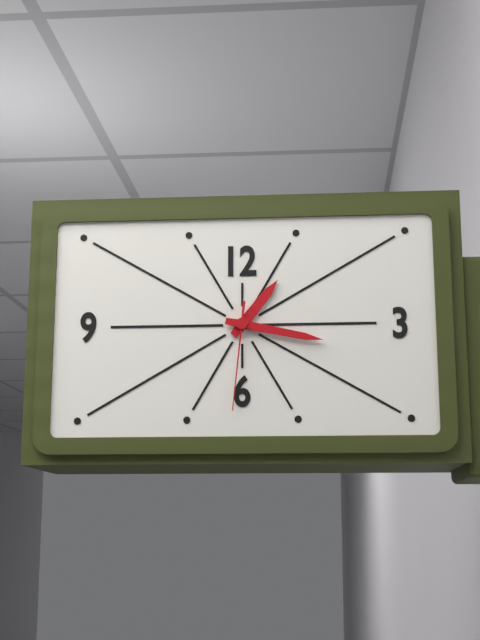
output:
1:17:31
